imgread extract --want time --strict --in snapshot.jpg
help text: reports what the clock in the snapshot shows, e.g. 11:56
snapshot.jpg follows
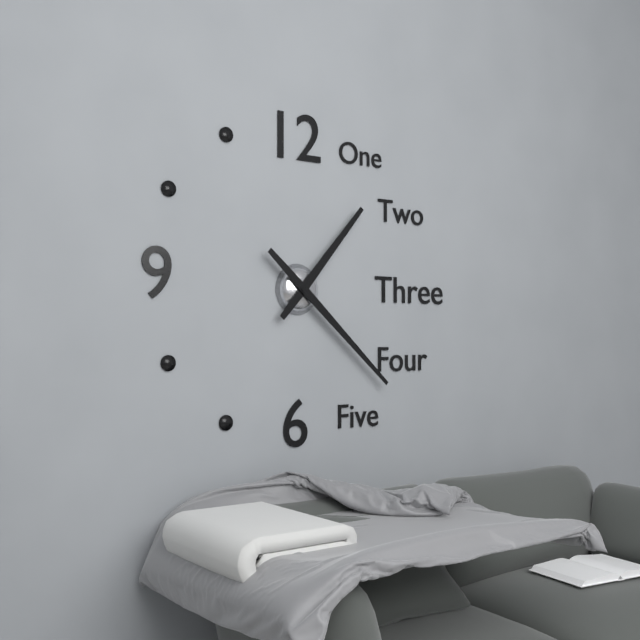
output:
1:22
